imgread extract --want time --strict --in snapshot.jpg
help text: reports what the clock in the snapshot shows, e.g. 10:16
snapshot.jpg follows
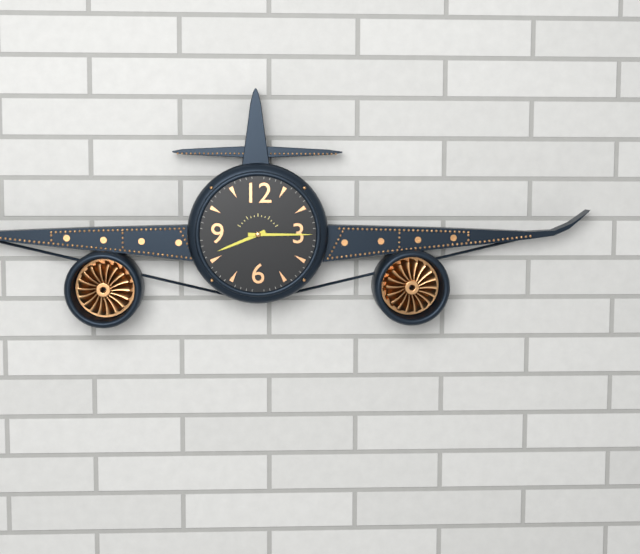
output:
8:15
